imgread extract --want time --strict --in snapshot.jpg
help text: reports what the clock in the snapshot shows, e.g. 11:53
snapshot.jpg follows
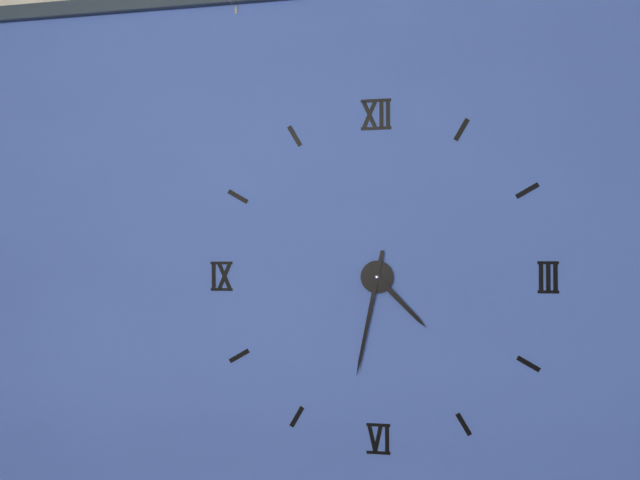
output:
4:32
